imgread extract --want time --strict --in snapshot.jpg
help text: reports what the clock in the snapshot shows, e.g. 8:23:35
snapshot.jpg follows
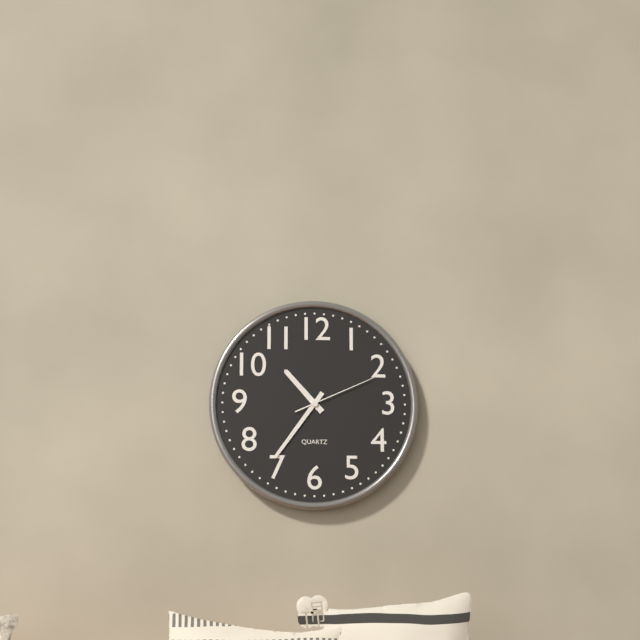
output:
10:36:11
